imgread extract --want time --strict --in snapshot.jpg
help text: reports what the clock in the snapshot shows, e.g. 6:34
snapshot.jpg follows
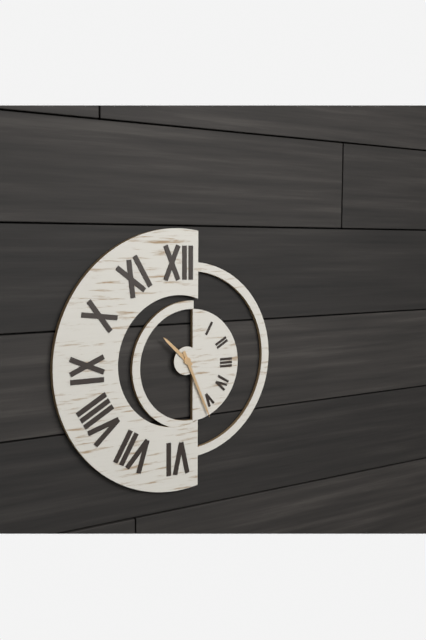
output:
10:26
